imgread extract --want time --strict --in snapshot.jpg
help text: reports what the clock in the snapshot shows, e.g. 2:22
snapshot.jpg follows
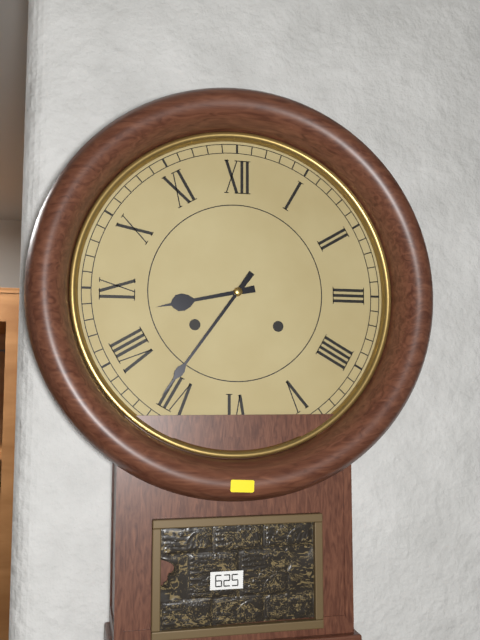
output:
8:36
